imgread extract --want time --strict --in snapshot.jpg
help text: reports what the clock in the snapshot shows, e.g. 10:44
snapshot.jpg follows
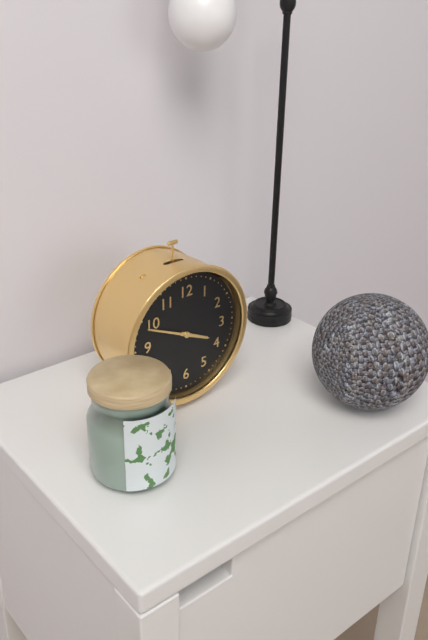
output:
3:49
